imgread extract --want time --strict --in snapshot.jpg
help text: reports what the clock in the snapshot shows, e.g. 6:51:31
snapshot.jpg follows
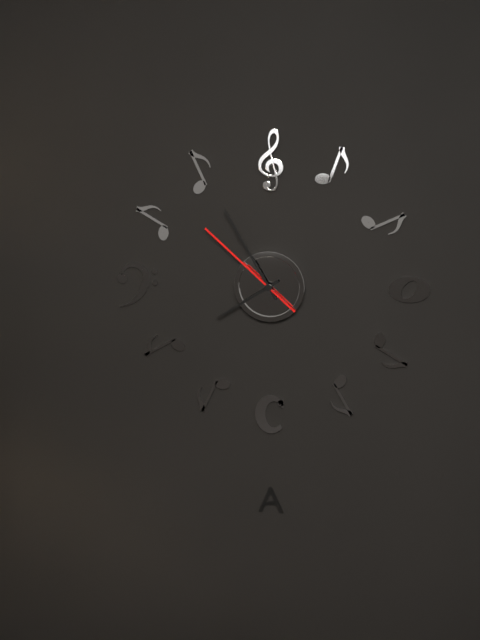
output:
7:55:52
